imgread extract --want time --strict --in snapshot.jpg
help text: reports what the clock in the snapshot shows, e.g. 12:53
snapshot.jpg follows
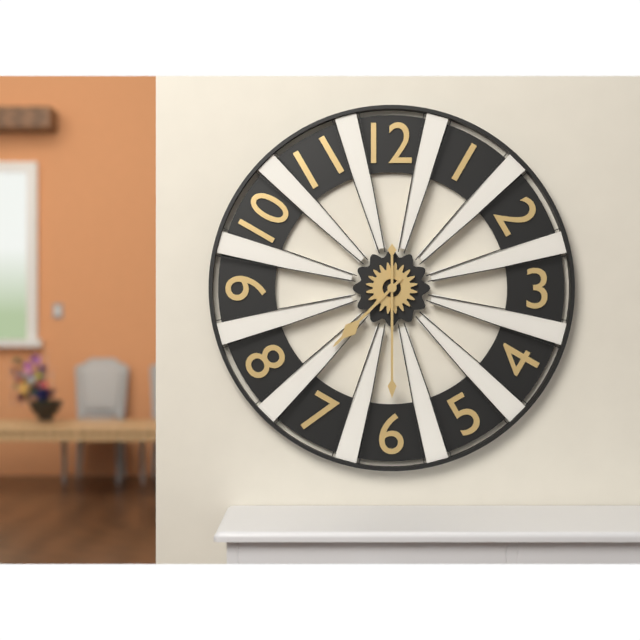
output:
7:30
